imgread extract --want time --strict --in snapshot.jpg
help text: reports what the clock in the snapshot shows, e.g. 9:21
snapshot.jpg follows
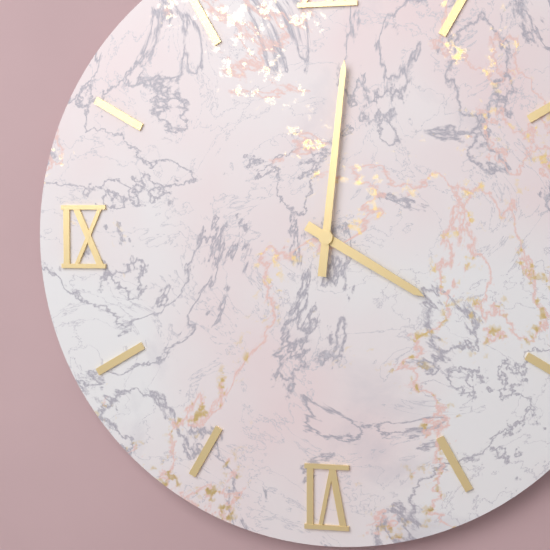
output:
4:01
